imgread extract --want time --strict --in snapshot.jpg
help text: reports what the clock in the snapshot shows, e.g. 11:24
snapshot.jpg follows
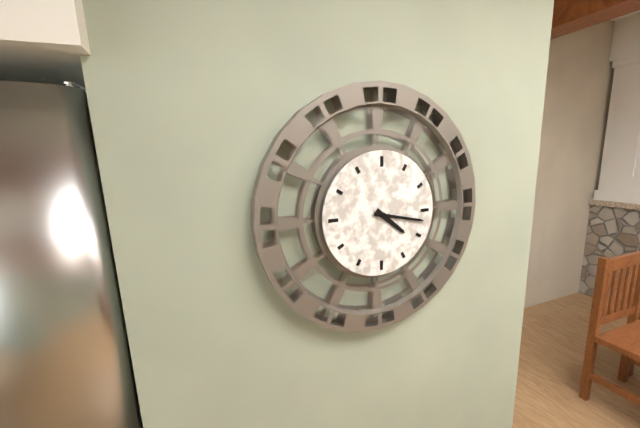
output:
4:17
